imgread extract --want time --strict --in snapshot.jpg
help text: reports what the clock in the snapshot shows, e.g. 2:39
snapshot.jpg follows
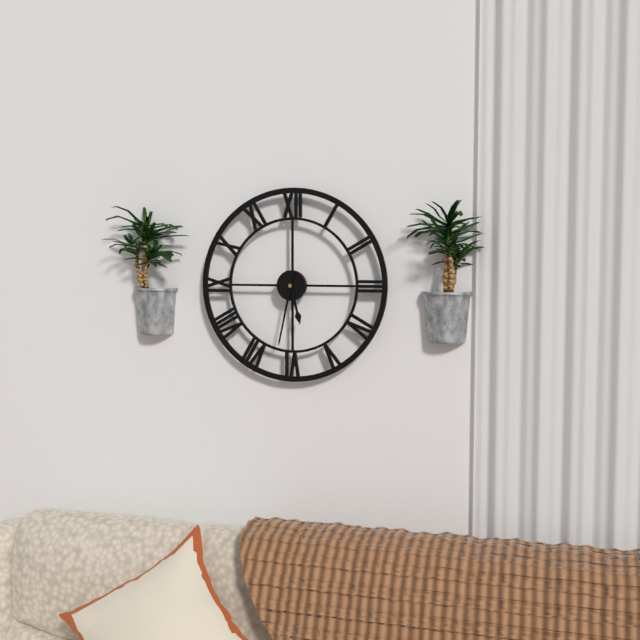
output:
5:32
